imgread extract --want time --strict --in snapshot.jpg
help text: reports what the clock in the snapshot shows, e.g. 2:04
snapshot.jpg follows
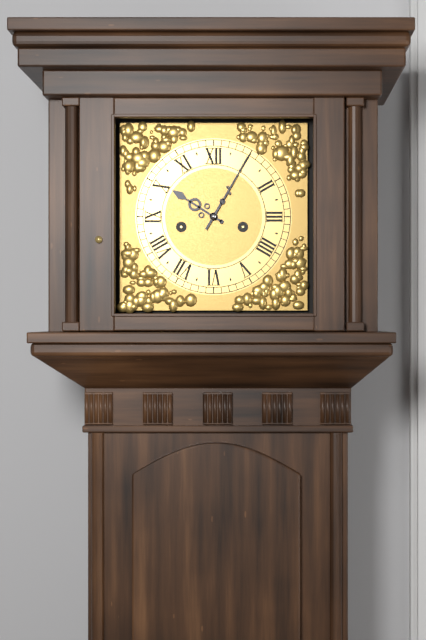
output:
10:05
